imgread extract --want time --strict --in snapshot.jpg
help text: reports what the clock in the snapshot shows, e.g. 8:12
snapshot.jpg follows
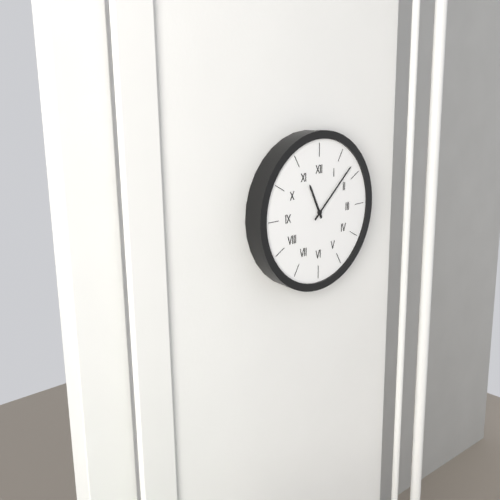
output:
11:08
